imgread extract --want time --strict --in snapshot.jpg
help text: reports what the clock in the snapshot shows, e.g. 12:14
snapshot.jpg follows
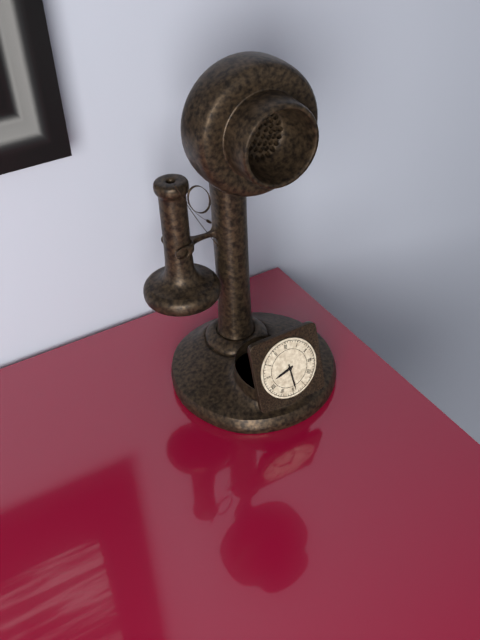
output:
8:29
